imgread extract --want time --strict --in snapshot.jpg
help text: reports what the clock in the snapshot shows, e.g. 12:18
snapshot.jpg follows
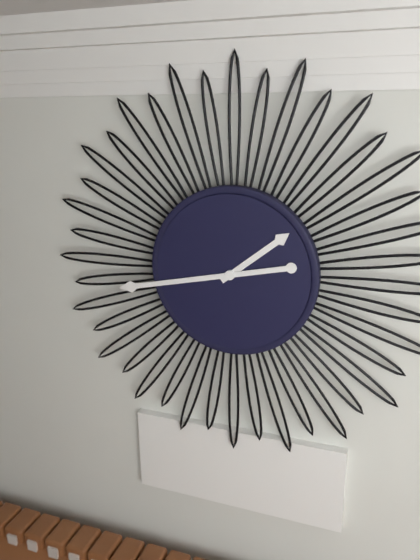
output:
1:43
